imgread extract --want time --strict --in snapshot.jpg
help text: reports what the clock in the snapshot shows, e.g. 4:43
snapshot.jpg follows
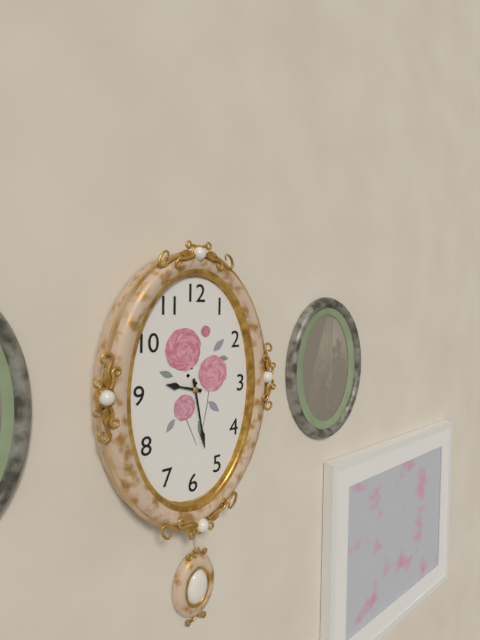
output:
9:28
